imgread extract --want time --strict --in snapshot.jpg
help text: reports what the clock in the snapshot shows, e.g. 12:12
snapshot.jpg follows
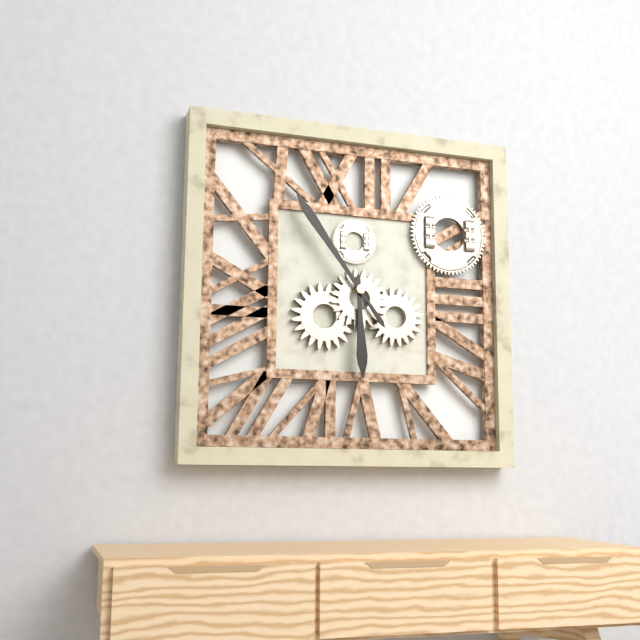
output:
5:54
